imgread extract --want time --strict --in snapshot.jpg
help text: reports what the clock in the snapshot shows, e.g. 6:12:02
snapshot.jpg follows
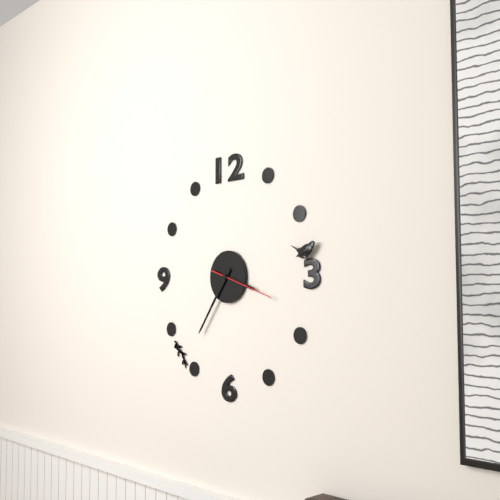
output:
3:36:18
